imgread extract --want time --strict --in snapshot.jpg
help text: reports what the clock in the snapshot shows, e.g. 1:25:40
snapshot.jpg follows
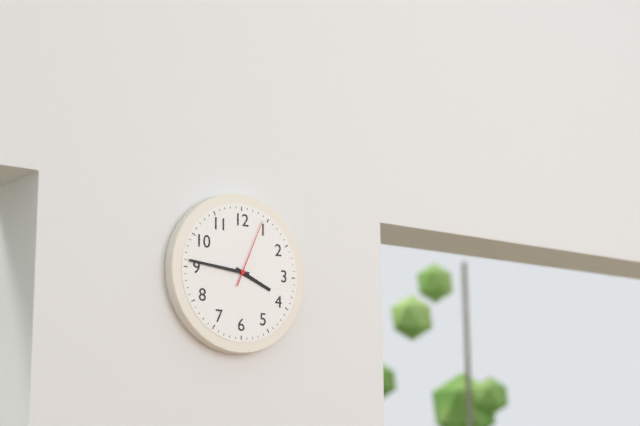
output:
3:46:04
